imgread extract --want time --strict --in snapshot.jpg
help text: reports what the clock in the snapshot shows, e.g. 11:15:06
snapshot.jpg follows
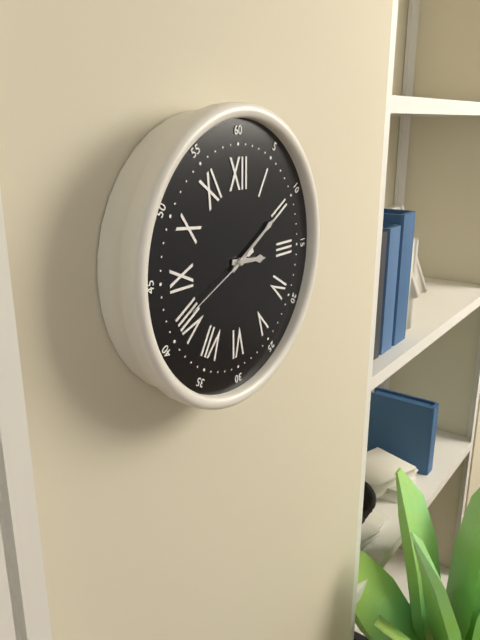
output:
3:10:41
